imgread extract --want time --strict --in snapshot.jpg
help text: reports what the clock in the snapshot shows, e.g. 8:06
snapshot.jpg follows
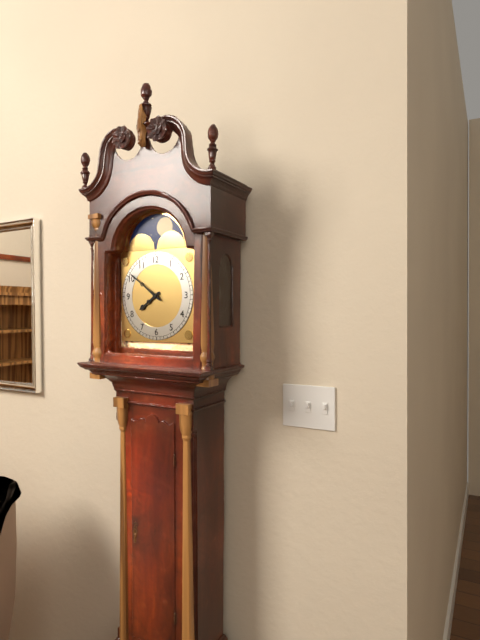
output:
7:51
